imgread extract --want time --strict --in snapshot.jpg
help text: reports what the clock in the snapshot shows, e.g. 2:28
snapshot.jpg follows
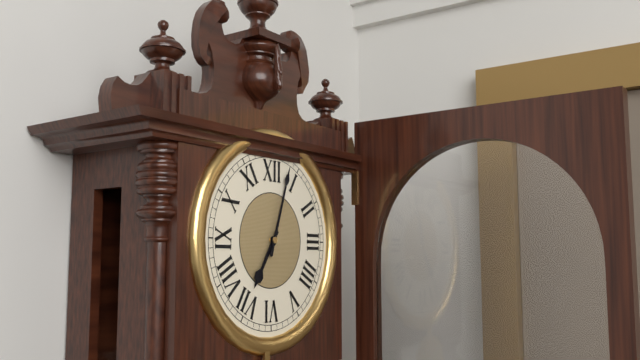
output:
7:03
